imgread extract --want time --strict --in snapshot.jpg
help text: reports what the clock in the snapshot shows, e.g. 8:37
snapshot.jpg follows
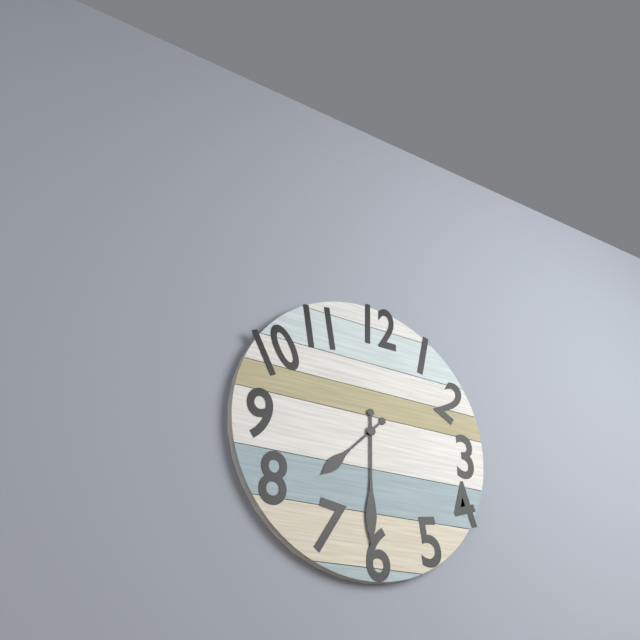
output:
7:30
